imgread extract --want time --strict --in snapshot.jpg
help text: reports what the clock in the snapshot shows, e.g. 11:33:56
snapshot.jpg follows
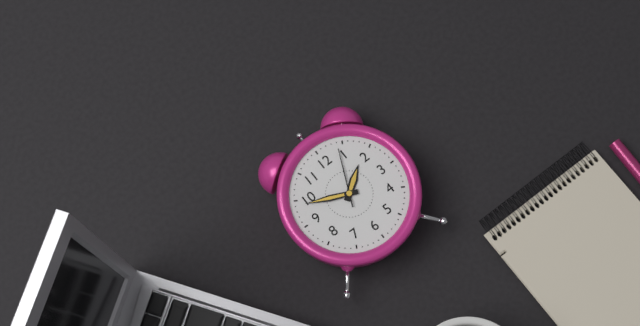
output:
1:49:04
